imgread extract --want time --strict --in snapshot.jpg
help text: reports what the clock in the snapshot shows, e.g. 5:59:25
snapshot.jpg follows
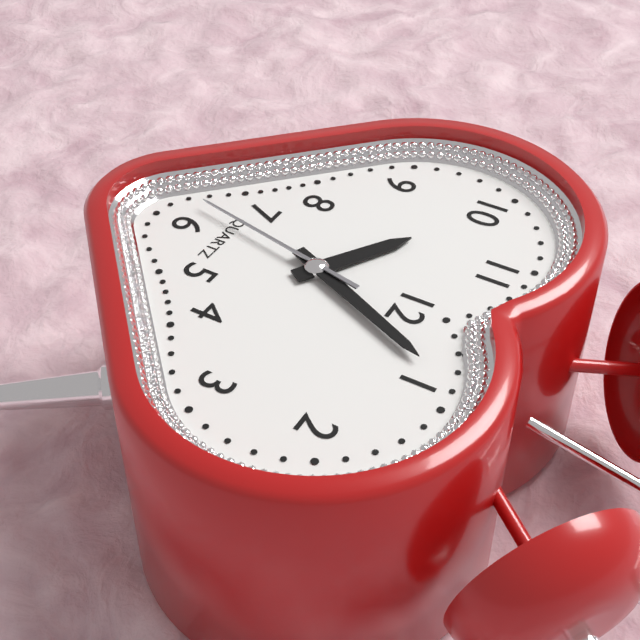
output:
10:04:32
